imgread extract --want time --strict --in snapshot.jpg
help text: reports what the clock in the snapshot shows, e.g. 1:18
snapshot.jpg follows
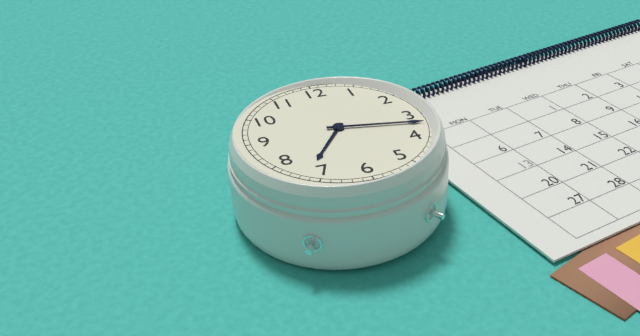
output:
7:17
